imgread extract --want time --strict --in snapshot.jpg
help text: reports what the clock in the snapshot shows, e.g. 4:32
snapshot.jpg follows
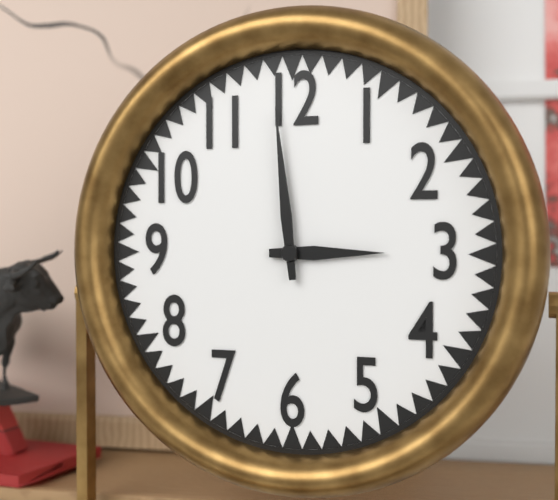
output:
2:59
